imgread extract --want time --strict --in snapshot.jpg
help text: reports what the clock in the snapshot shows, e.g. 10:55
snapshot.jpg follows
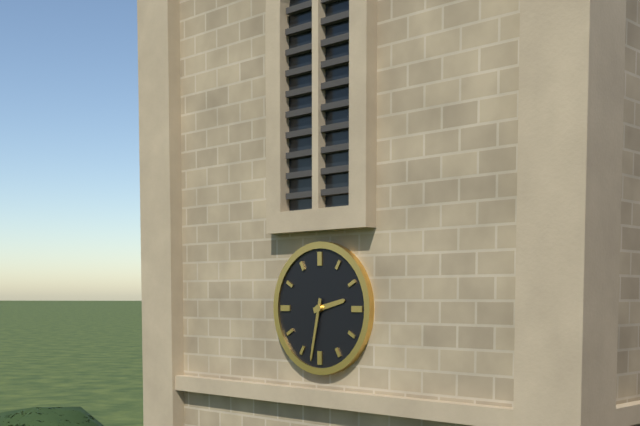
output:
2:32
